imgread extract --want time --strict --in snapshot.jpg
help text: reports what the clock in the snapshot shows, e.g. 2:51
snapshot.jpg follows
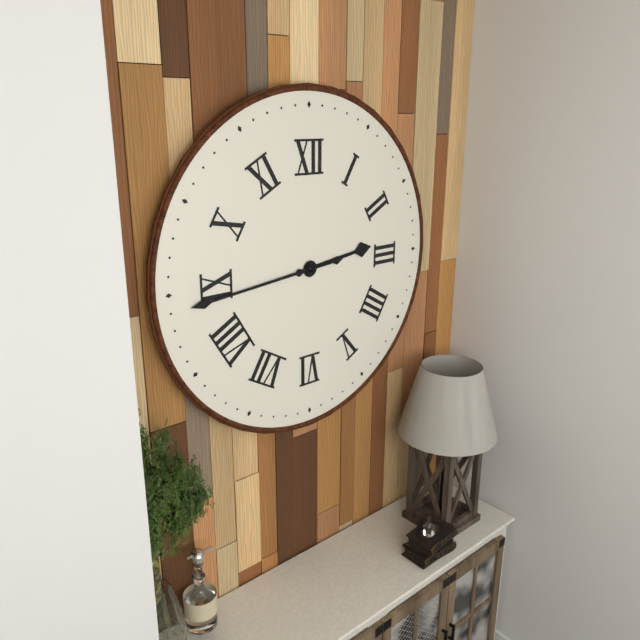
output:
2:44
